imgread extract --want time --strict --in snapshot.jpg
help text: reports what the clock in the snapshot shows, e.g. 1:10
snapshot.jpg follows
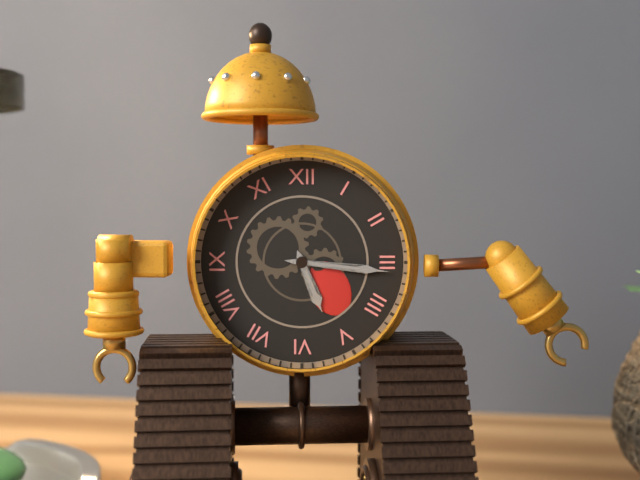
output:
5:16
